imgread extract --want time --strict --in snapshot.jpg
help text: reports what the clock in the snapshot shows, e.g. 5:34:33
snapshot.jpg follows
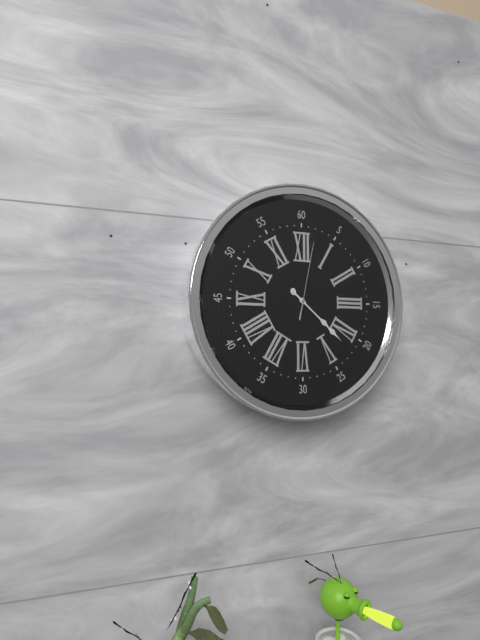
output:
4:22:02
